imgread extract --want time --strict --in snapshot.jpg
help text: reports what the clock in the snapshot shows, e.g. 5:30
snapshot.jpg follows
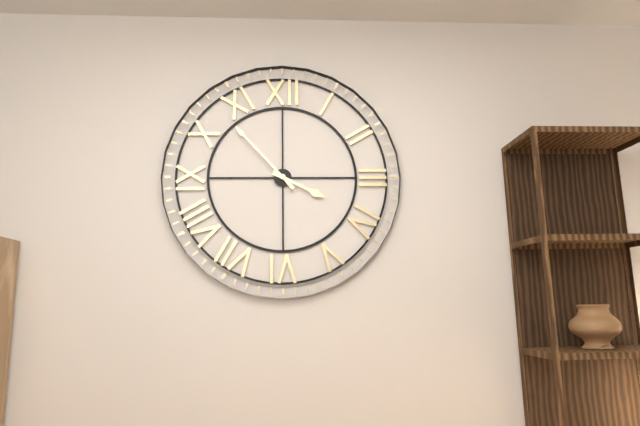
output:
3:53
